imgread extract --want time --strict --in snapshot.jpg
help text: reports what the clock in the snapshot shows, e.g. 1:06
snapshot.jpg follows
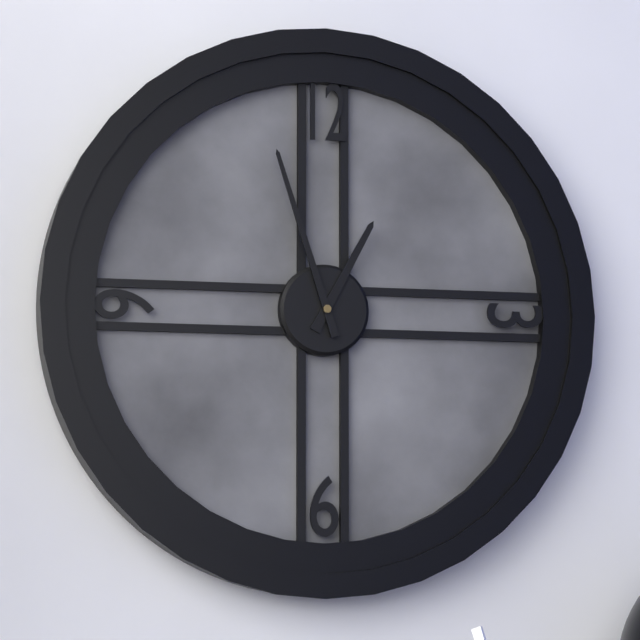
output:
12:57
